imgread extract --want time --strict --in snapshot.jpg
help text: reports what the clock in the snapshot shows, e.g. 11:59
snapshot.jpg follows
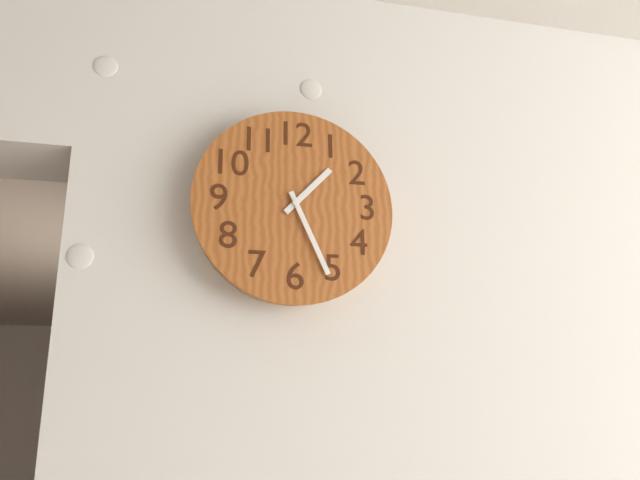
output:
1:26
